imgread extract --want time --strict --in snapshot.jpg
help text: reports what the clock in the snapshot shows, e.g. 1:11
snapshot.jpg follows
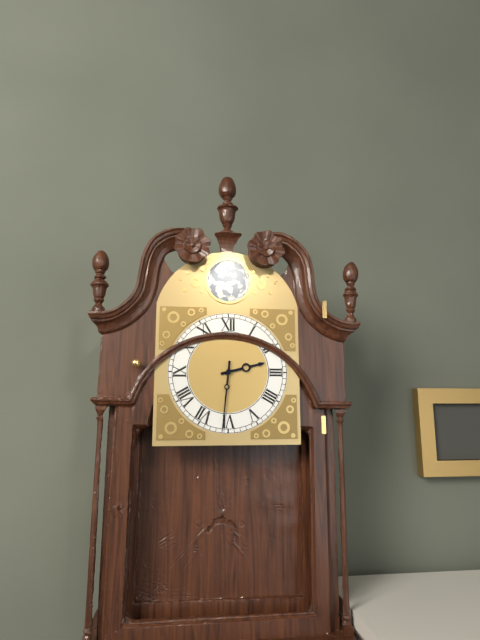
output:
2:31
